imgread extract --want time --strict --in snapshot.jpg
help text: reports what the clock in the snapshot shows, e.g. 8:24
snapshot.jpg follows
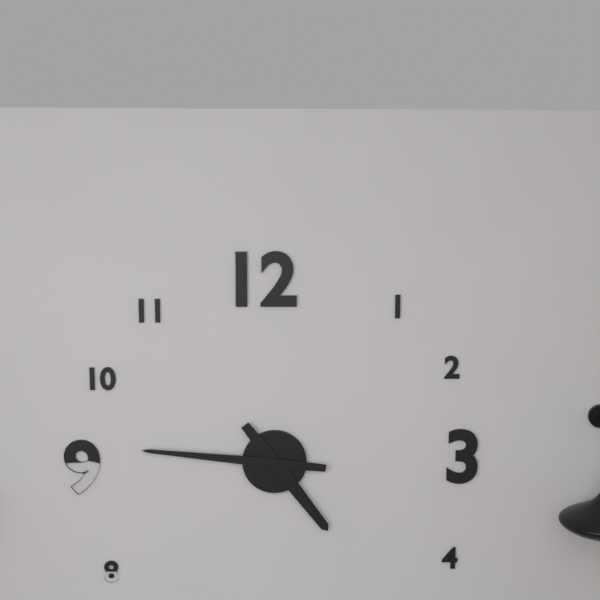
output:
4:46
